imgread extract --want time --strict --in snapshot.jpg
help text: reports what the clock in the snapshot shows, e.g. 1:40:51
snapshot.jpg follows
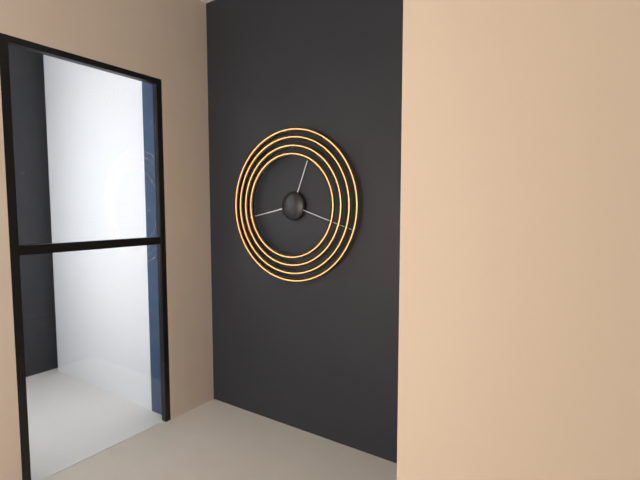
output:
12:43:18
